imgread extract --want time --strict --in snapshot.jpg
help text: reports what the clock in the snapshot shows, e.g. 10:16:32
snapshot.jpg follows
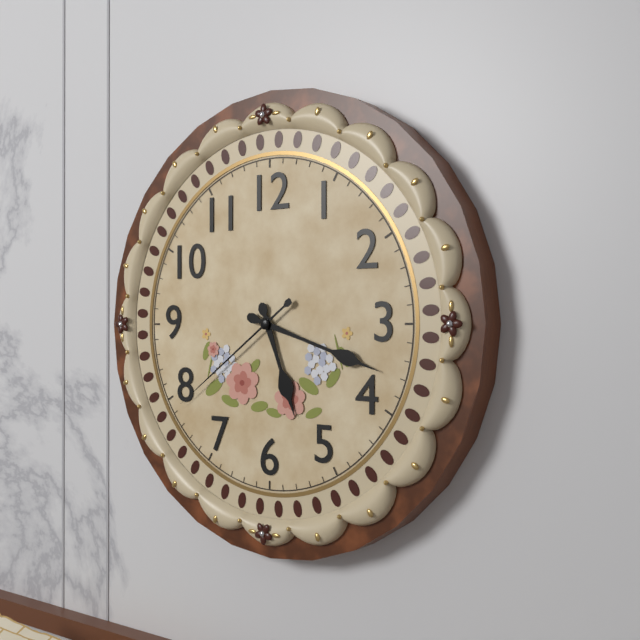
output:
5:18:39
